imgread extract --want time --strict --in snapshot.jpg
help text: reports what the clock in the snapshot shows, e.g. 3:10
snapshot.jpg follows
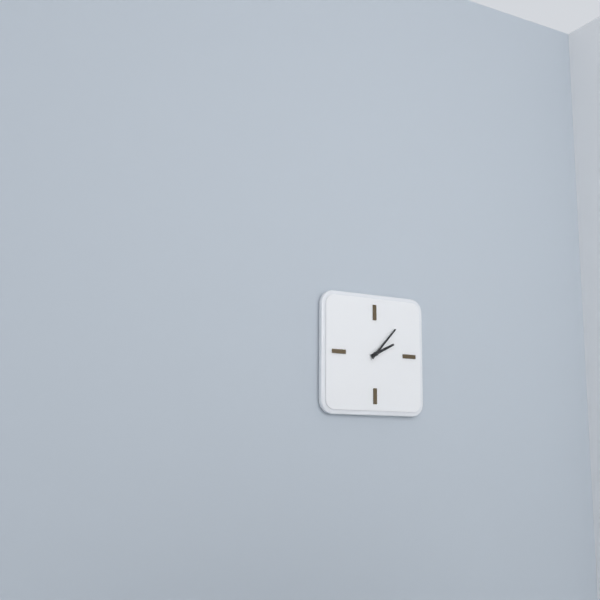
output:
2:07
